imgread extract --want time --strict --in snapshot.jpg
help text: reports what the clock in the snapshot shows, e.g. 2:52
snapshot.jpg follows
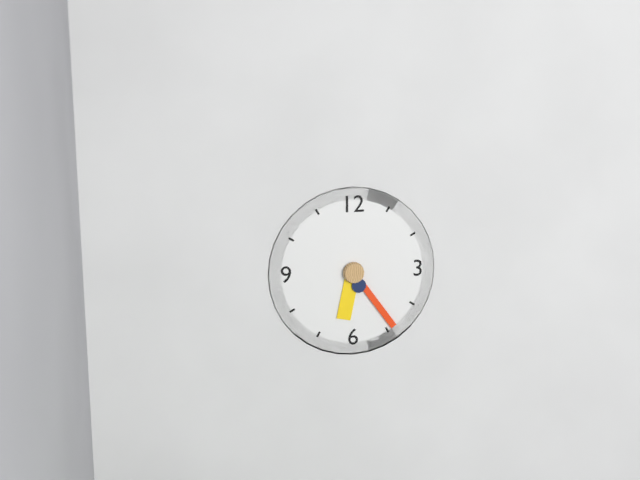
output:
6:24
